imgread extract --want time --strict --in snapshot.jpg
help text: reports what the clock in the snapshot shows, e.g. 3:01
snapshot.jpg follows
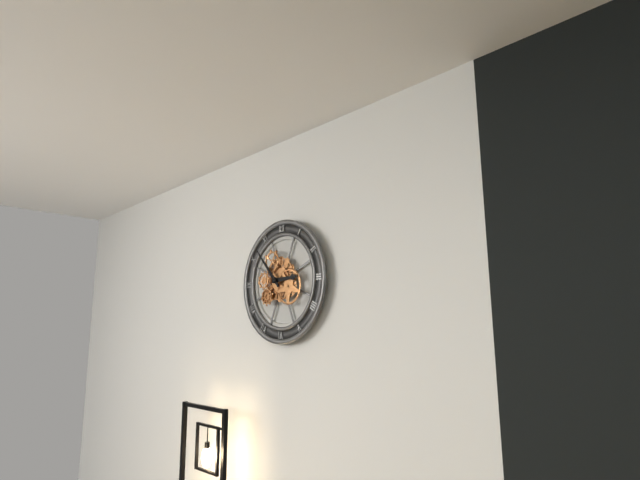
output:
2:53
